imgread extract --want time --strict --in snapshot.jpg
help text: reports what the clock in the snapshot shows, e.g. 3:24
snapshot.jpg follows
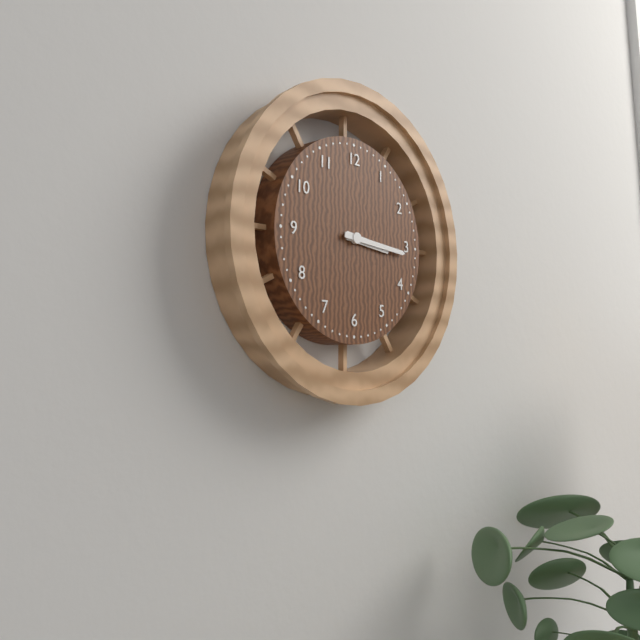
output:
3:16
